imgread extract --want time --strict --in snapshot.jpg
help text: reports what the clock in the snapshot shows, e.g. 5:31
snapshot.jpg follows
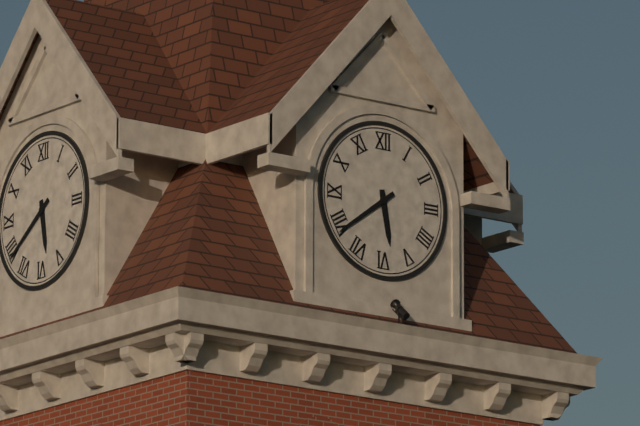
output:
5:39
